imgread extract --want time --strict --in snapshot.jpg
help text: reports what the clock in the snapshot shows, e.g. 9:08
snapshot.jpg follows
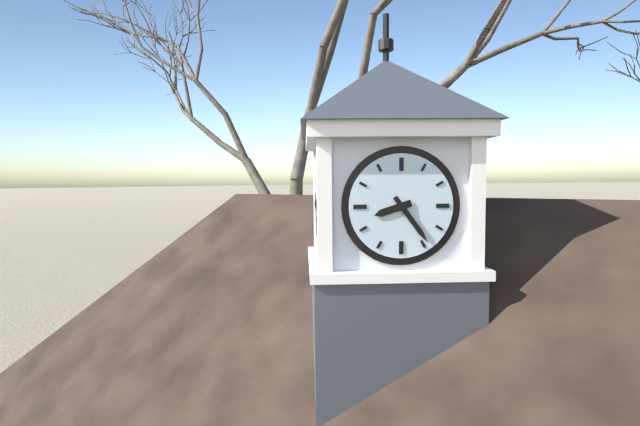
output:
8:24
